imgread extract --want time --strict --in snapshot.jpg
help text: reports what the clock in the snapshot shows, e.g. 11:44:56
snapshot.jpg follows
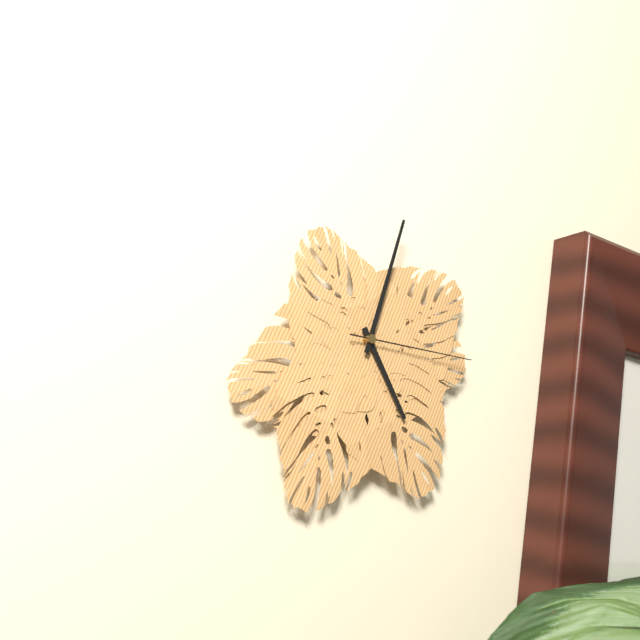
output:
5:03:16
